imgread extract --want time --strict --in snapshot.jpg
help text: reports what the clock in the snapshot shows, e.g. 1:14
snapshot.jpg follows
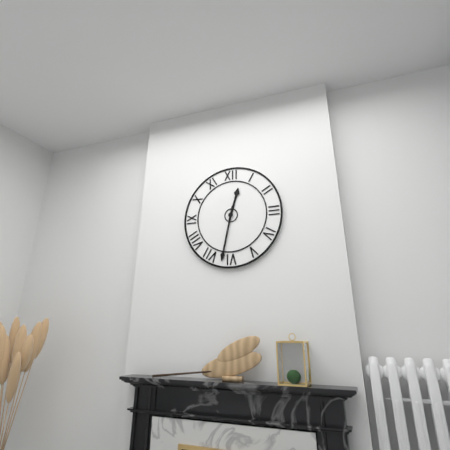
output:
12:32
